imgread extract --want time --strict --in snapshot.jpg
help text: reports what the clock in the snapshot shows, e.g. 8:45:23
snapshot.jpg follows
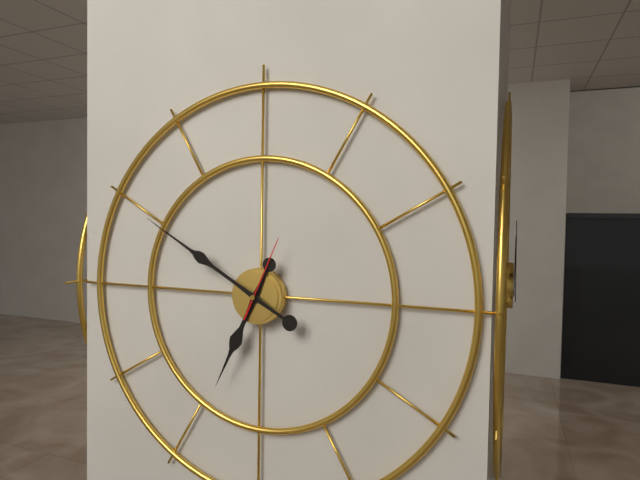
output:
6:50:04
